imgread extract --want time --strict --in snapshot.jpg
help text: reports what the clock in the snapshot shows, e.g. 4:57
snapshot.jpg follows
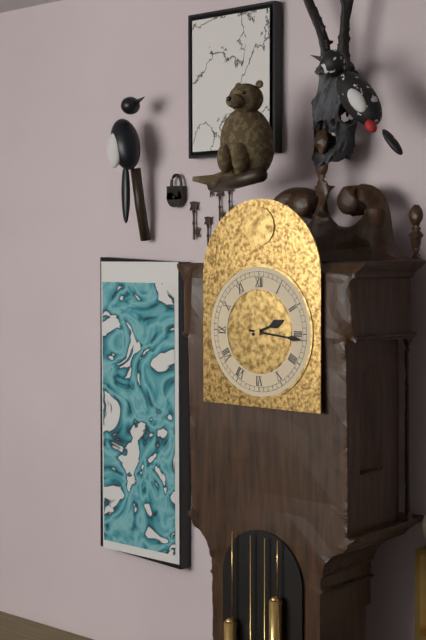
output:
2:16
